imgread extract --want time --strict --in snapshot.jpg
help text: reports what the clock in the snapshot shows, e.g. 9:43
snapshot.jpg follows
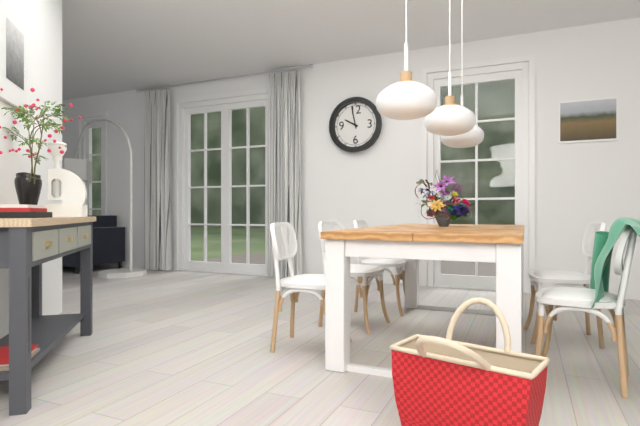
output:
9:58
